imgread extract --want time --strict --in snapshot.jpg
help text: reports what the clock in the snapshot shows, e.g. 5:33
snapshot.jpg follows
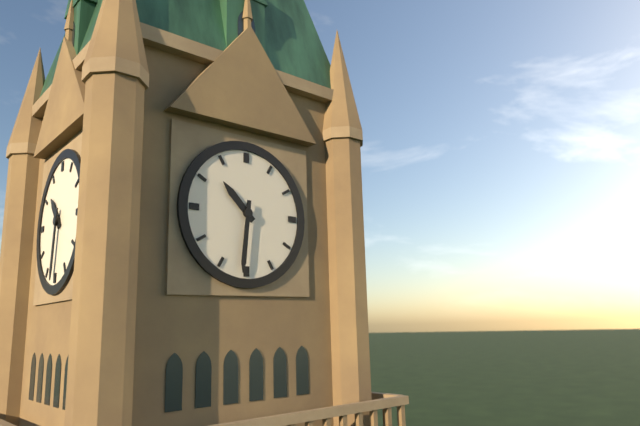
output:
10:31
